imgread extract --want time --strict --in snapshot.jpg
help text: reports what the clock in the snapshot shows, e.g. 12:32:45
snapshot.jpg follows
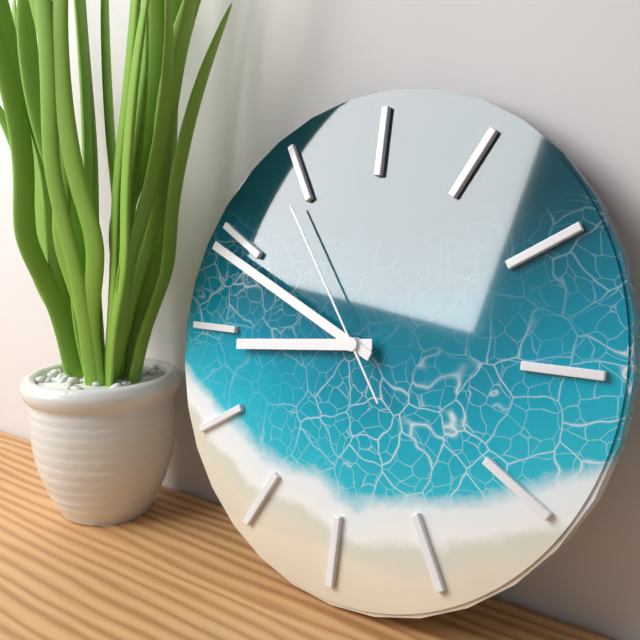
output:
8:49:54
